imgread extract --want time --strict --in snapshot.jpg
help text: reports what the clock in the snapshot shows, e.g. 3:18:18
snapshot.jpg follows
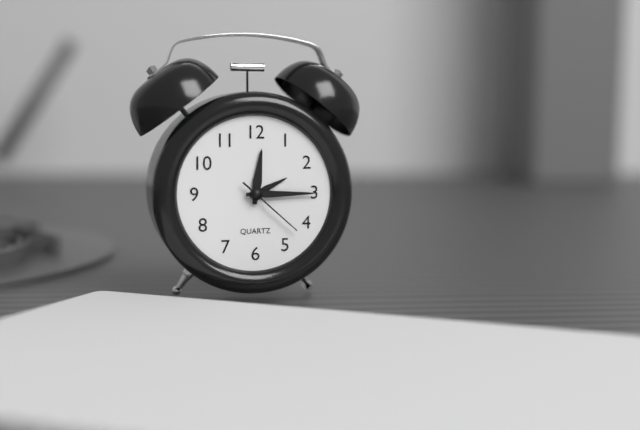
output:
12:15:22
